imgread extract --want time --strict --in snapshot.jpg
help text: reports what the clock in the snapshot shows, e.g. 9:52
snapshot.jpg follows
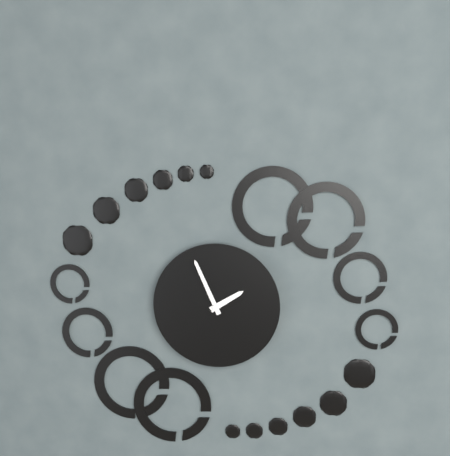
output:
1:56
